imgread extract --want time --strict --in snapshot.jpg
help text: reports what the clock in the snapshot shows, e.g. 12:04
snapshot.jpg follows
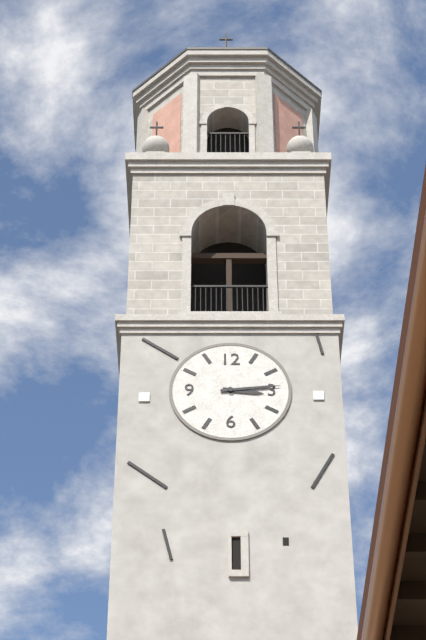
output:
3:14
